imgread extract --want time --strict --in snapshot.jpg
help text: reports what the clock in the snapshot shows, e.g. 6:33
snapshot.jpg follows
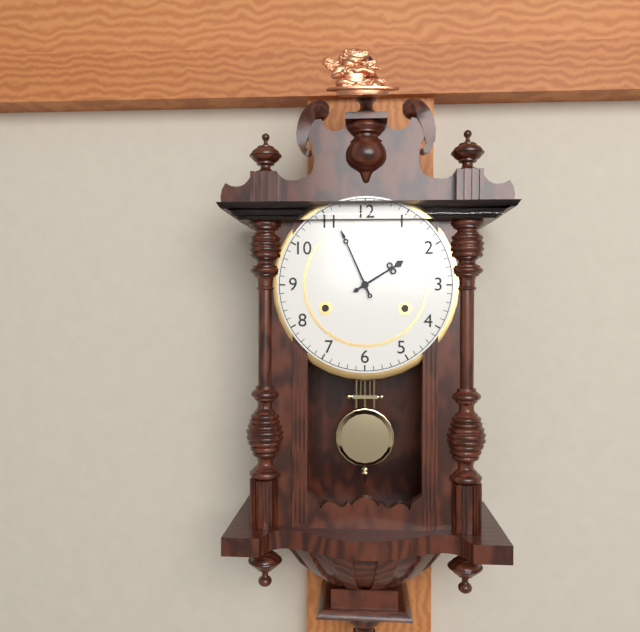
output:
1:56
